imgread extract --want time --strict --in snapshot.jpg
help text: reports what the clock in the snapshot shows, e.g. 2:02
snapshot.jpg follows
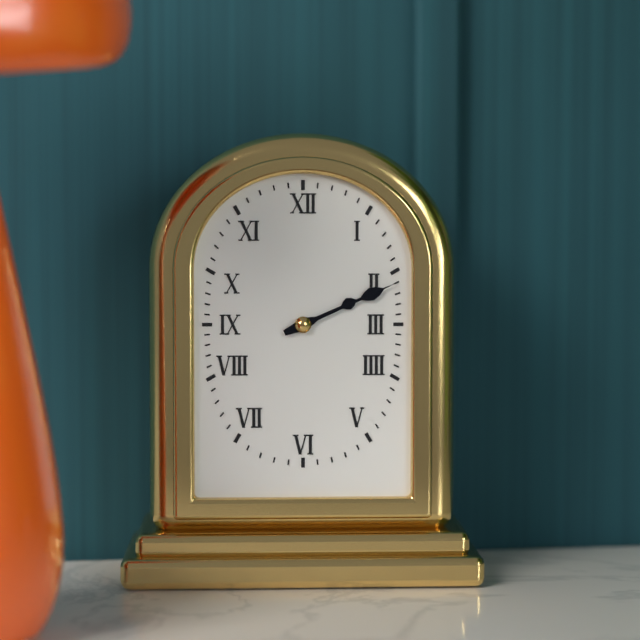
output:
2:11
